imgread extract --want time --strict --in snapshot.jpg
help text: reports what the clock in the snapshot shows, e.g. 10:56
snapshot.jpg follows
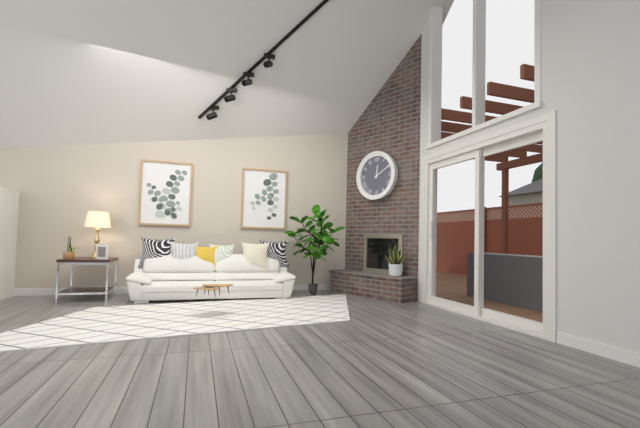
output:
12:10
